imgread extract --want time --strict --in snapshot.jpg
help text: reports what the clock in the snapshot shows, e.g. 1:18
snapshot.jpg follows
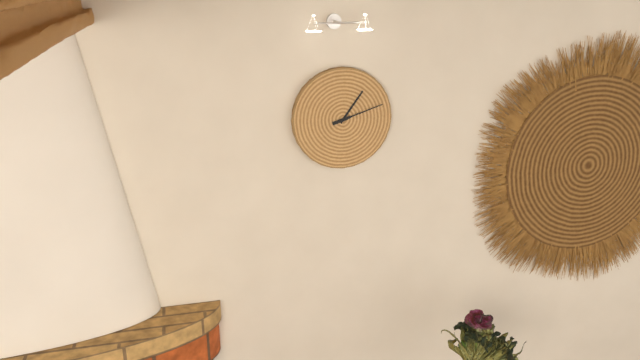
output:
1:12
